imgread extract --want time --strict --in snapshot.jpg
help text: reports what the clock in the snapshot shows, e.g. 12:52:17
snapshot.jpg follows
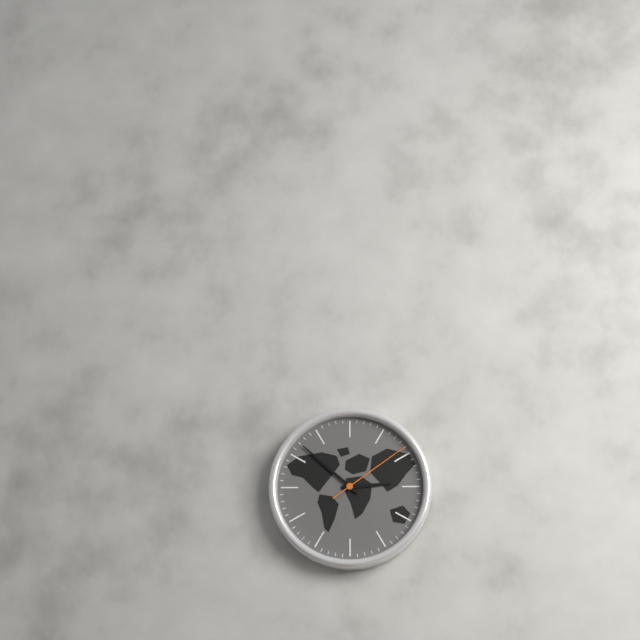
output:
2:52:09
